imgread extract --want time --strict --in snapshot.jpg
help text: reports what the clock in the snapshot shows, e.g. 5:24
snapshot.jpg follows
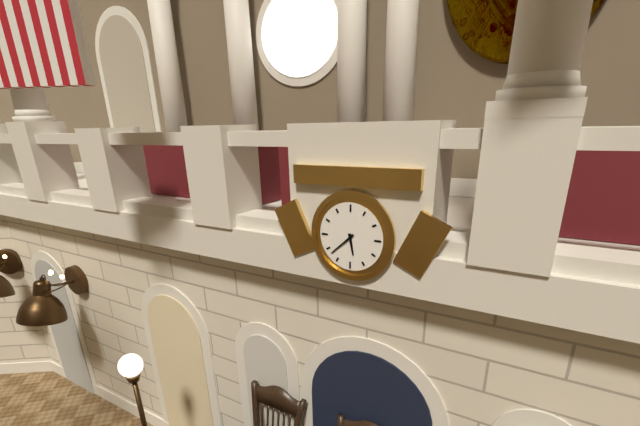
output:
5:38
